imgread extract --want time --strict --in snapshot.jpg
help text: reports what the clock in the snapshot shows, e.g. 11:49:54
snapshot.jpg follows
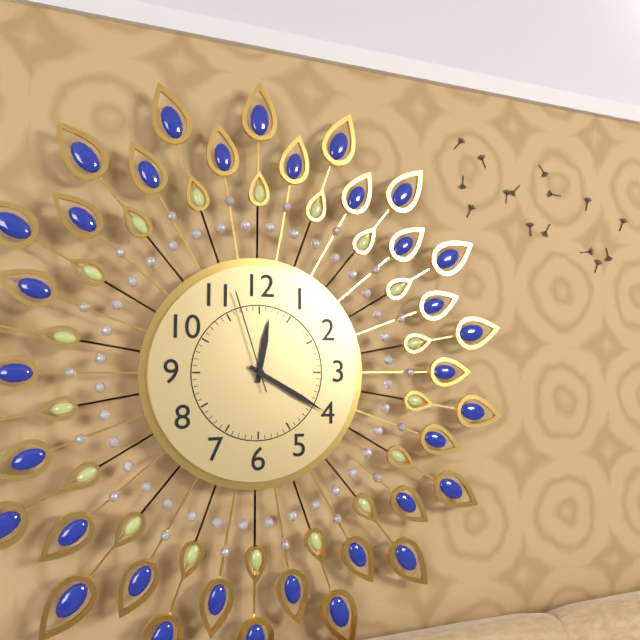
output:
12:20:57
